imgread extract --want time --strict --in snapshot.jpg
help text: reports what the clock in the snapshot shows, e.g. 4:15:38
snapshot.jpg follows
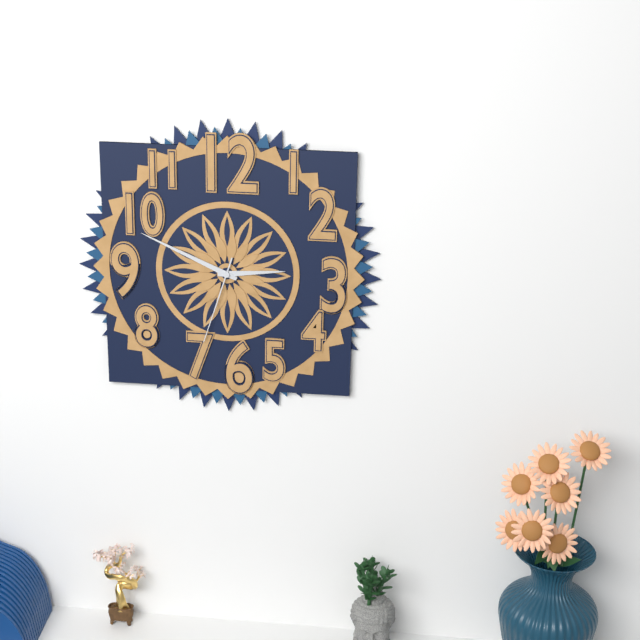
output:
2:49:33
